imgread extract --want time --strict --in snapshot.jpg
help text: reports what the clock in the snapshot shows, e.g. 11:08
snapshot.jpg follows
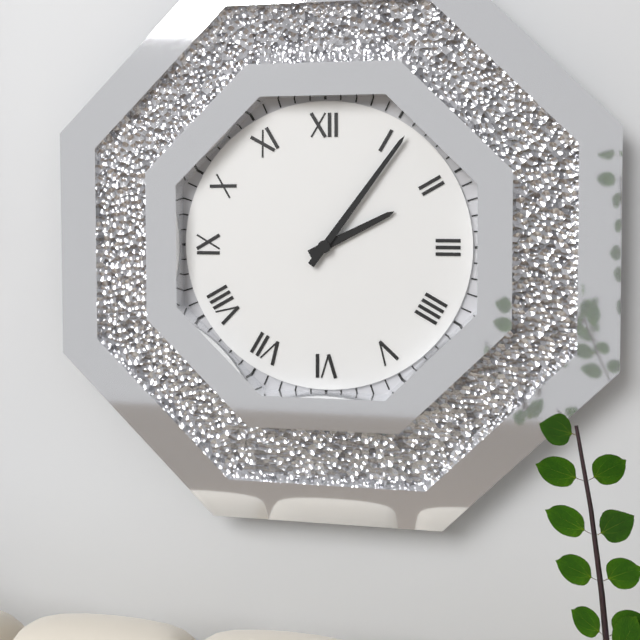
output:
2:06
